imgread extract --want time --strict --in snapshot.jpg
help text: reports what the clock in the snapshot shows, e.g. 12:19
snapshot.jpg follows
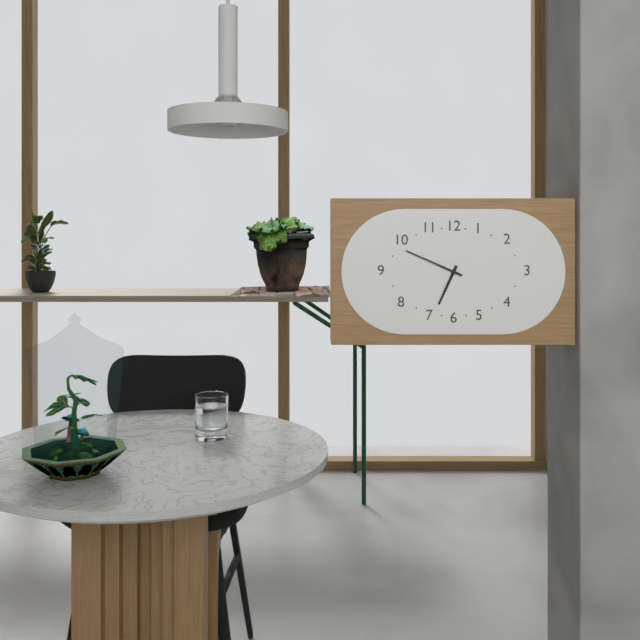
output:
6:49
